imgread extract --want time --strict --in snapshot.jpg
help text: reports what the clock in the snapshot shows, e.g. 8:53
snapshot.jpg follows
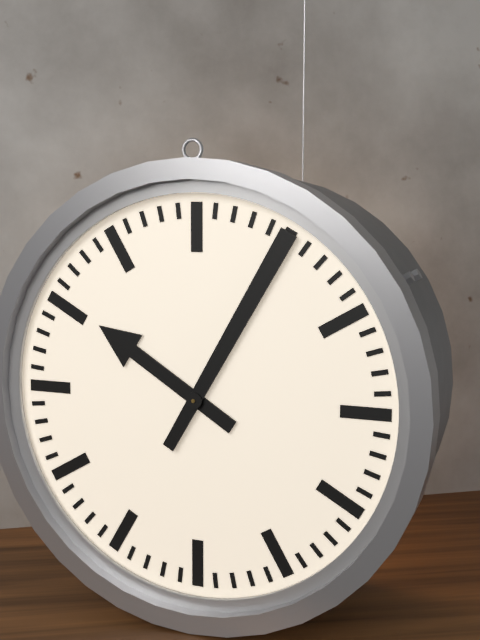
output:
10:05
